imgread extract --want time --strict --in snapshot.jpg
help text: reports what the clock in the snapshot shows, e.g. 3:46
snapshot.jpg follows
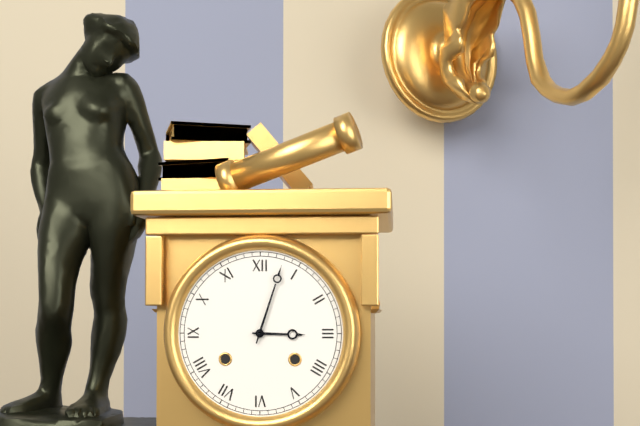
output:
3:03
